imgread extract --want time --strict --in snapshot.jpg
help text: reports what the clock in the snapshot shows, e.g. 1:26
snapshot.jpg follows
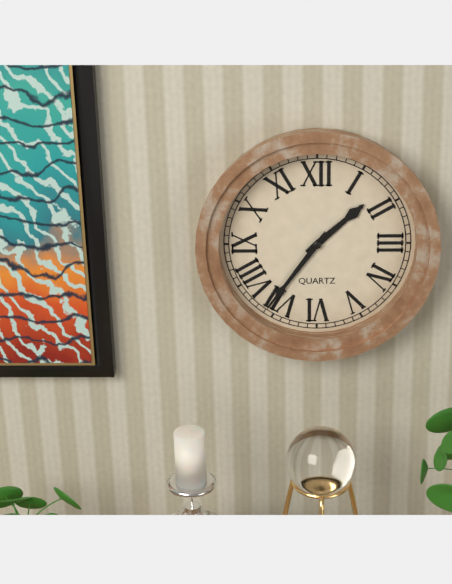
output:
1:36
